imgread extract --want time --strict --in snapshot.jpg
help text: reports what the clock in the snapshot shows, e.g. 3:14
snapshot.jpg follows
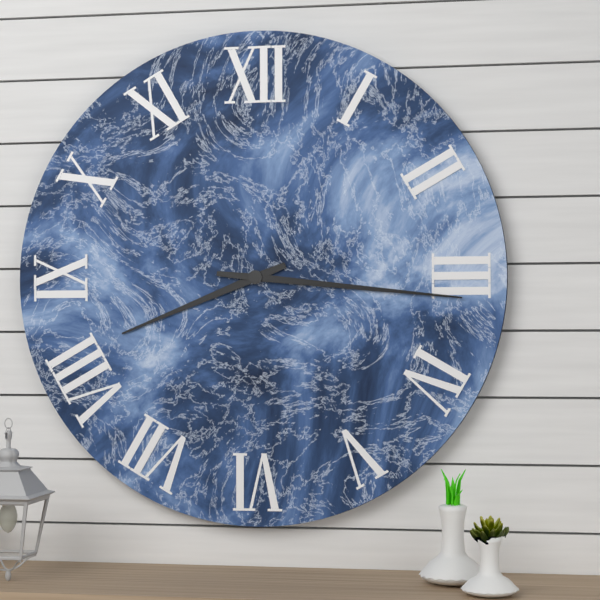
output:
8:16
